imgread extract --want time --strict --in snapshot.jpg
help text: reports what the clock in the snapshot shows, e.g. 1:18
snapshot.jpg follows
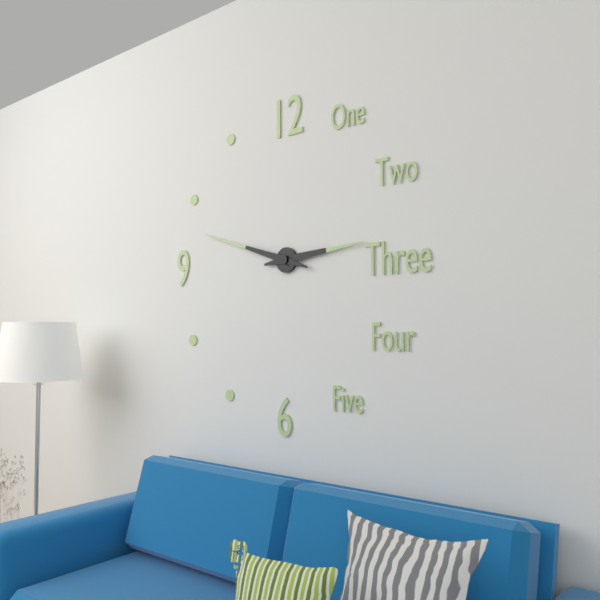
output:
2:48
